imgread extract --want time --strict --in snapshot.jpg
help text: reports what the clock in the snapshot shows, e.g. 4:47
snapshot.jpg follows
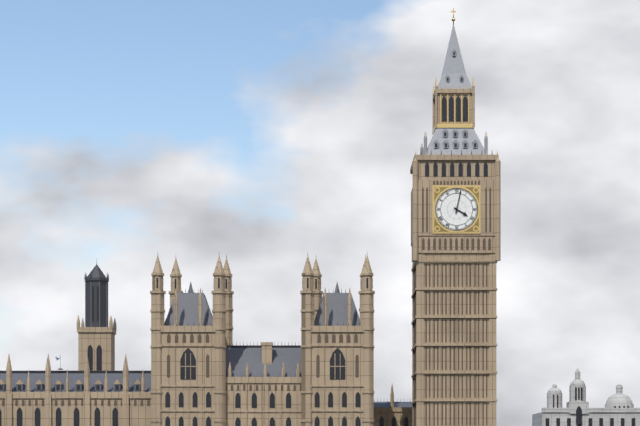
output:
4:02
